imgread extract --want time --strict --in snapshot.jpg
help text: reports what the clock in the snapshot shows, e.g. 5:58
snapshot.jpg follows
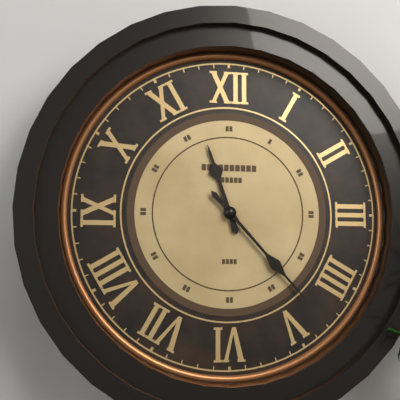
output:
11:23
